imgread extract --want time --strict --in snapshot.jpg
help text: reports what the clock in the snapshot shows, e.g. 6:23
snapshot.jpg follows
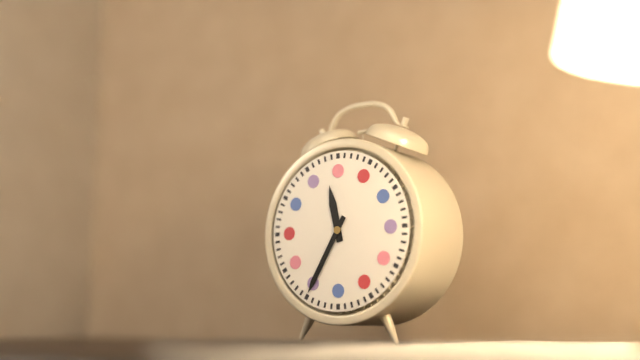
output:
11:35
